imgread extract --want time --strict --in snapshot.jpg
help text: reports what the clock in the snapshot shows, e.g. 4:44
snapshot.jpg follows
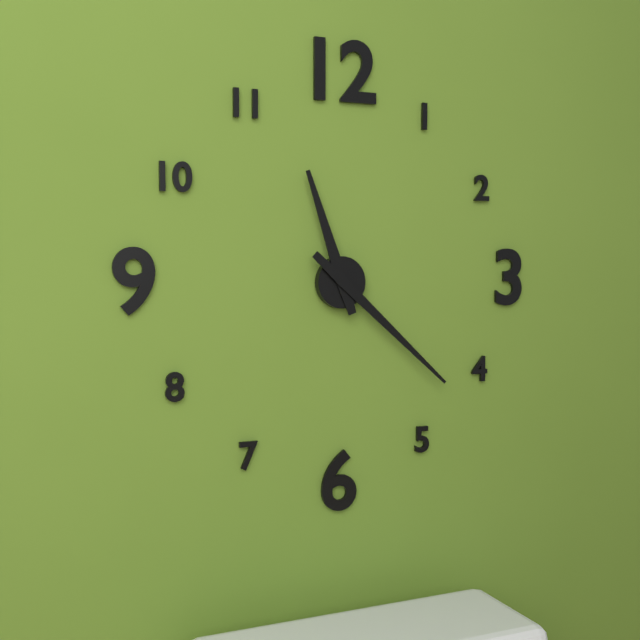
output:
11:22
